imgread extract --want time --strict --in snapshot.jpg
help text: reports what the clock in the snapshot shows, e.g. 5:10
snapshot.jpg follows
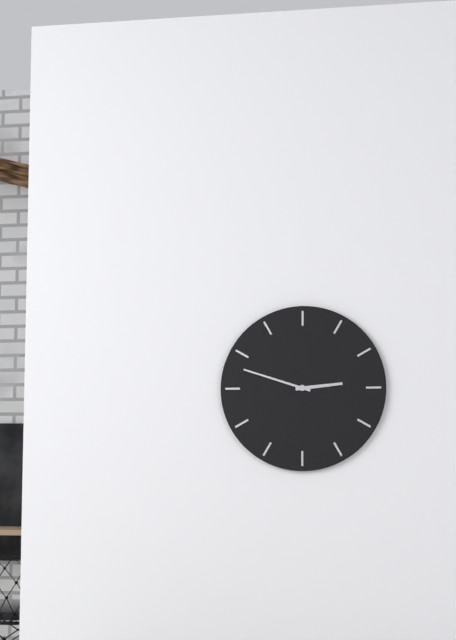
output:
2:48
